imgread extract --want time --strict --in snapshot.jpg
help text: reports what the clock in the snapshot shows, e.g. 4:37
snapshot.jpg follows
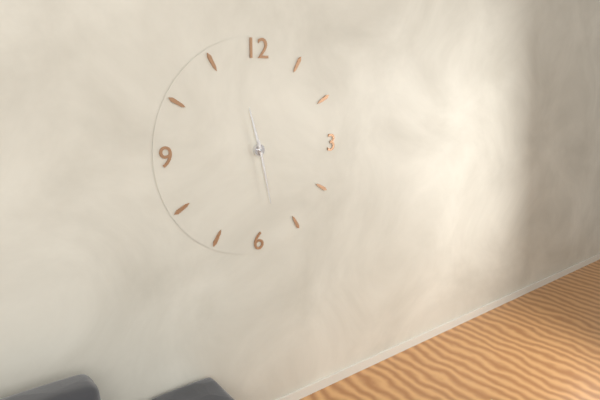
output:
11:28
